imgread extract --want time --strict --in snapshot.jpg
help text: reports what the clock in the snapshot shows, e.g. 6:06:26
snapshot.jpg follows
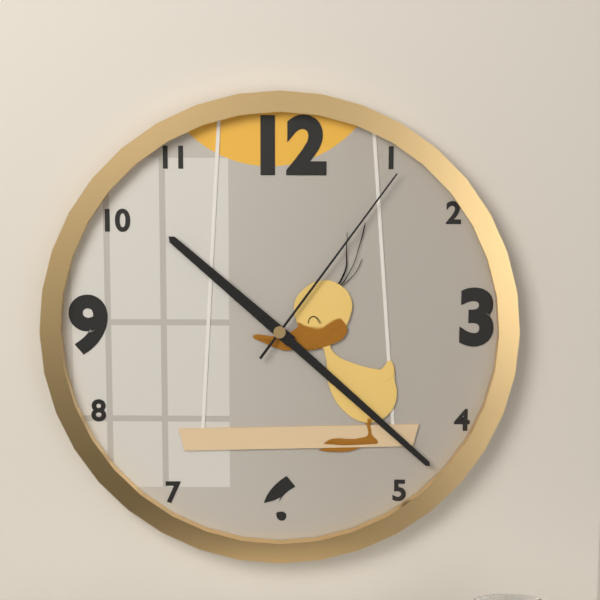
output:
10:22:06
